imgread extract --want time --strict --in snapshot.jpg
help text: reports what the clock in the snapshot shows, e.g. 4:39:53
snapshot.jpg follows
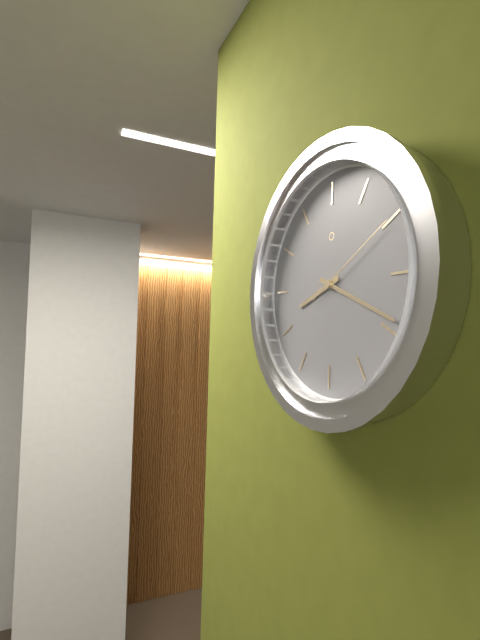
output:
8:19:10
